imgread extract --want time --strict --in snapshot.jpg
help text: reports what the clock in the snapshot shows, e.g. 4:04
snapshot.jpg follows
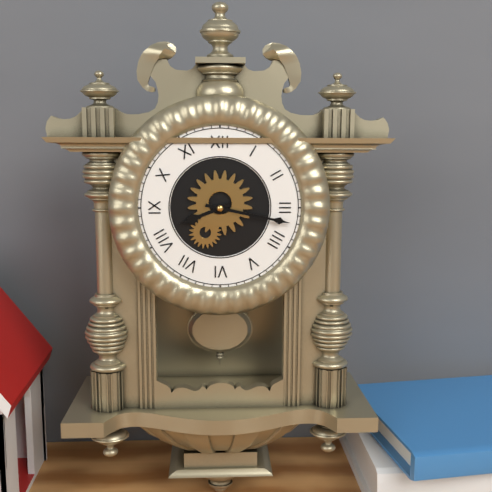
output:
8:17
